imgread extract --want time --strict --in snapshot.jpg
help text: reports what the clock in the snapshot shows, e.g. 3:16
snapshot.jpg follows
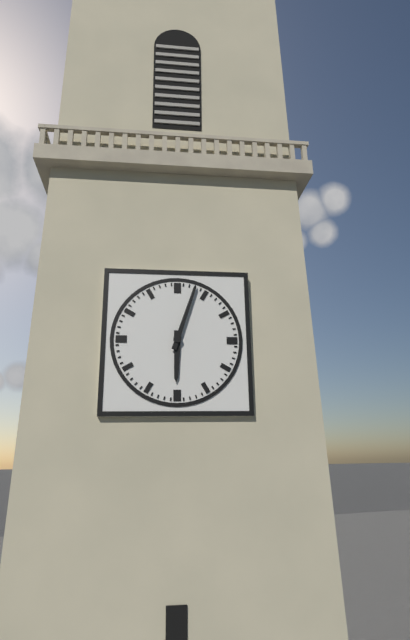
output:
6:03
